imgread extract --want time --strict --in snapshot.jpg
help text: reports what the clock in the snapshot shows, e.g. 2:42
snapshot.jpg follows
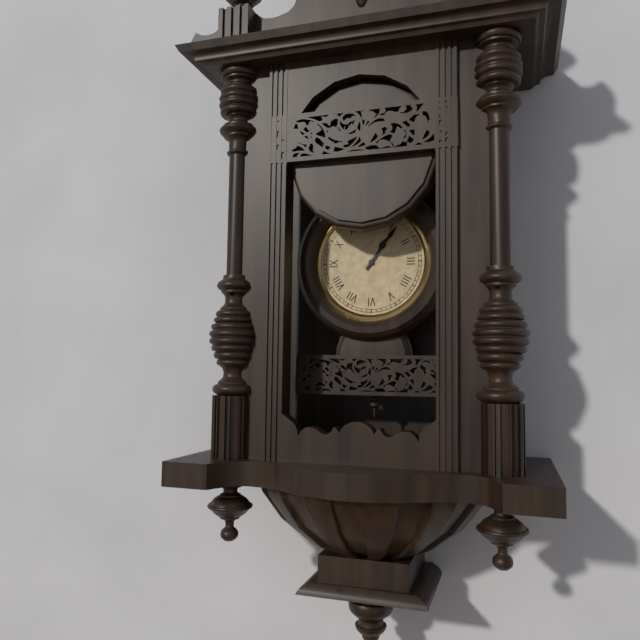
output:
1:06
